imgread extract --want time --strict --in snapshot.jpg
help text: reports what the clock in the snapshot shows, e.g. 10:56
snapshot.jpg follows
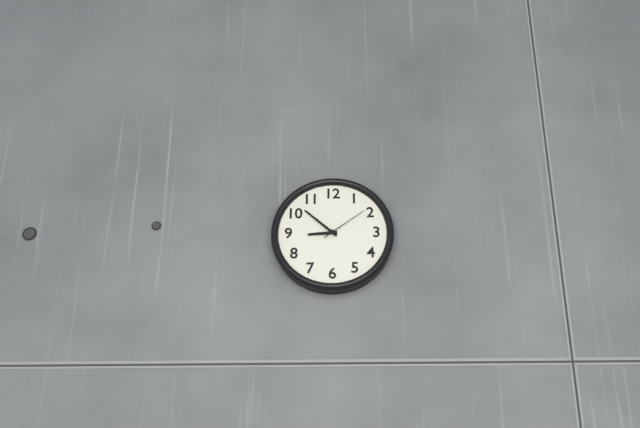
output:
8:52
